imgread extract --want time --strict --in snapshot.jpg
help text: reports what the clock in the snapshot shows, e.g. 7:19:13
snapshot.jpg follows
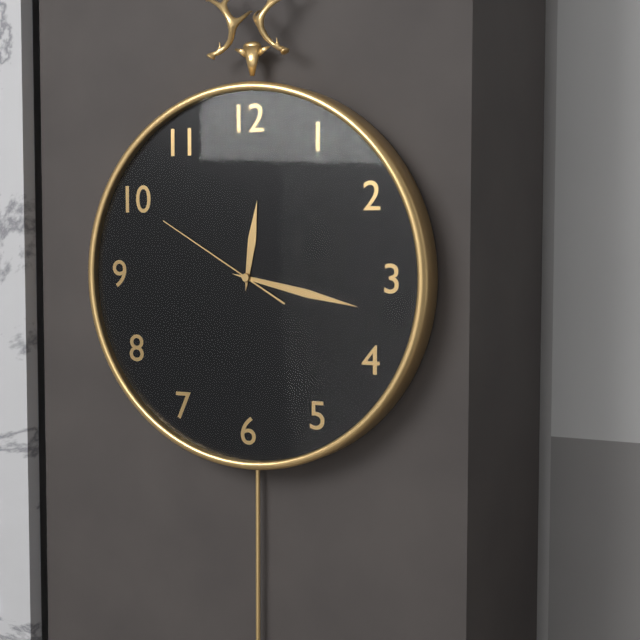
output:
12:17:50
